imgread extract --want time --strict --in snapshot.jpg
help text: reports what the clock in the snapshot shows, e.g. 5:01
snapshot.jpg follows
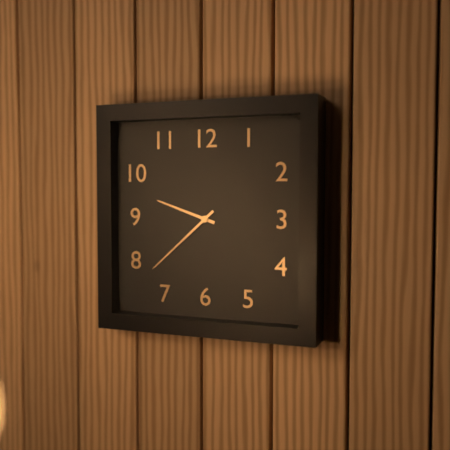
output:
9:38
